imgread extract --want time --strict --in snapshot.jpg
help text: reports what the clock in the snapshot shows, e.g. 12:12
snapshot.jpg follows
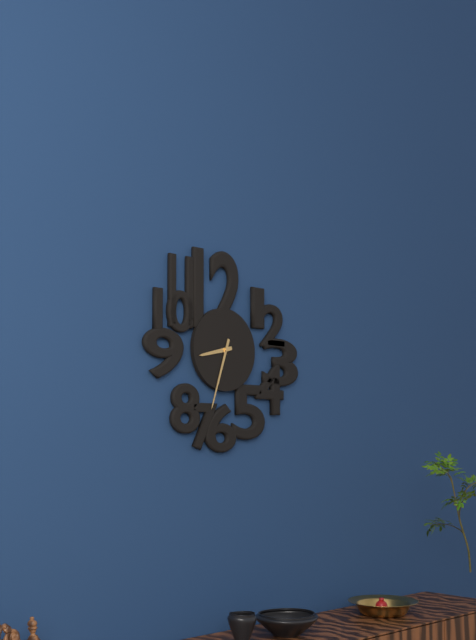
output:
8:33
